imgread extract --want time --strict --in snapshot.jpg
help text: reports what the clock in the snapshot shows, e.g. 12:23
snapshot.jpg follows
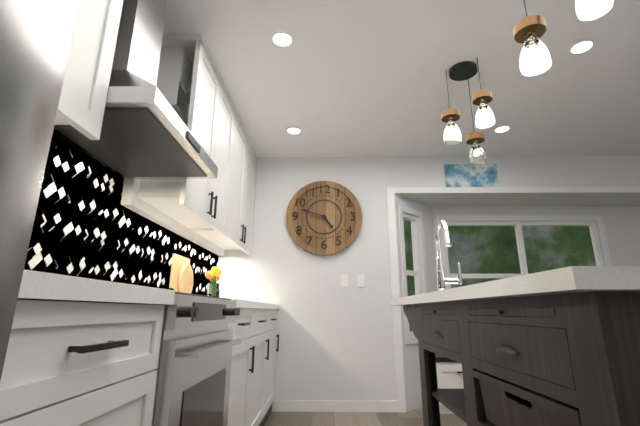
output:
4:48
